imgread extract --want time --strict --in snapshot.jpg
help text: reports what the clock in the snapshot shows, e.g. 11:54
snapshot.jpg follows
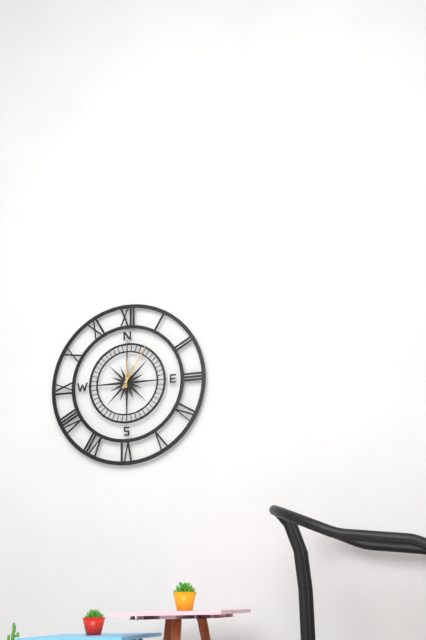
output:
12:05
